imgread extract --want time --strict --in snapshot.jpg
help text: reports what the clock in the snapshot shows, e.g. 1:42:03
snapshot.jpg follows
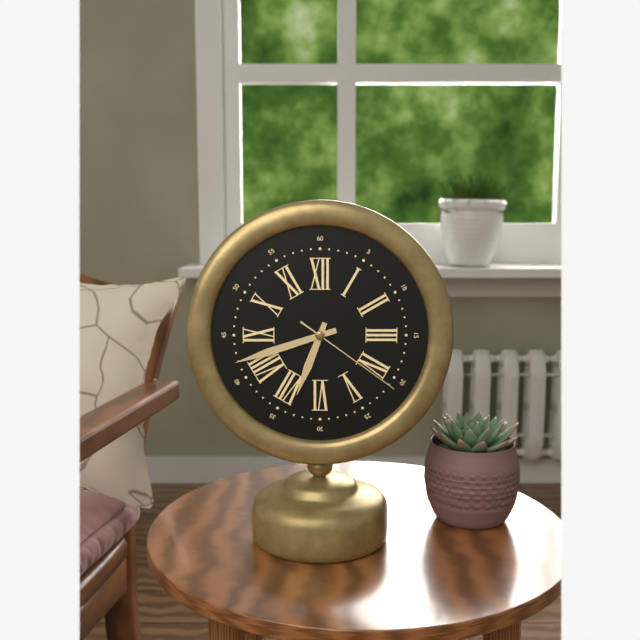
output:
6:42:21
